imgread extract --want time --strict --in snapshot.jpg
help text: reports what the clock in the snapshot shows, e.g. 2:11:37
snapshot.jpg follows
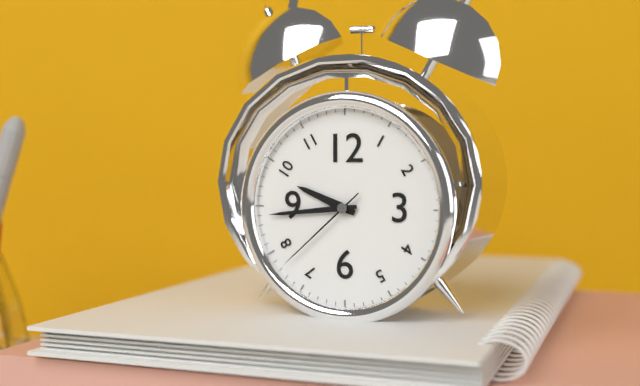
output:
9:44:38
